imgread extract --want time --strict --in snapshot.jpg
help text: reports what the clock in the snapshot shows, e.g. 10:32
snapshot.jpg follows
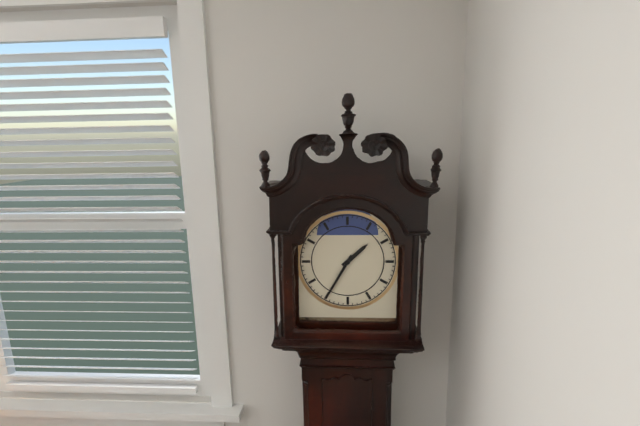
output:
1:35
